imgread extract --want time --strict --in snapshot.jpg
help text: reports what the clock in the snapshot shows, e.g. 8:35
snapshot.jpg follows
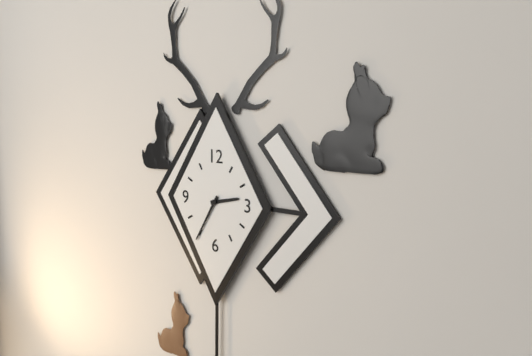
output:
2:35
